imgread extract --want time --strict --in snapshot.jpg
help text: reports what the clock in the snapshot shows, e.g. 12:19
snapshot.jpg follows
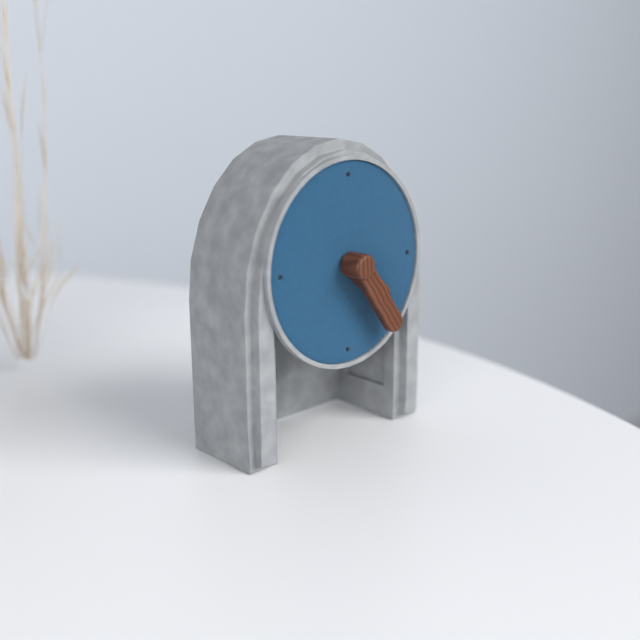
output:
4:24
